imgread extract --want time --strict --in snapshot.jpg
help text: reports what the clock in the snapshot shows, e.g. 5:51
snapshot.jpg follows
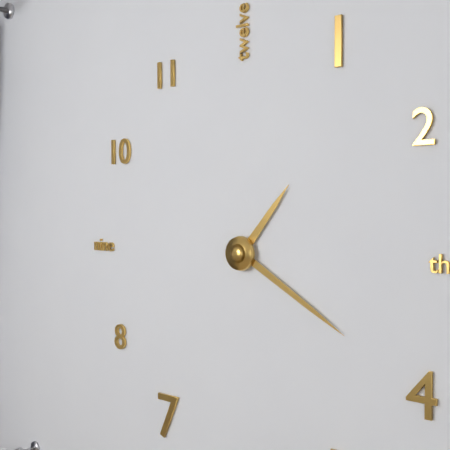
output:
1:20
